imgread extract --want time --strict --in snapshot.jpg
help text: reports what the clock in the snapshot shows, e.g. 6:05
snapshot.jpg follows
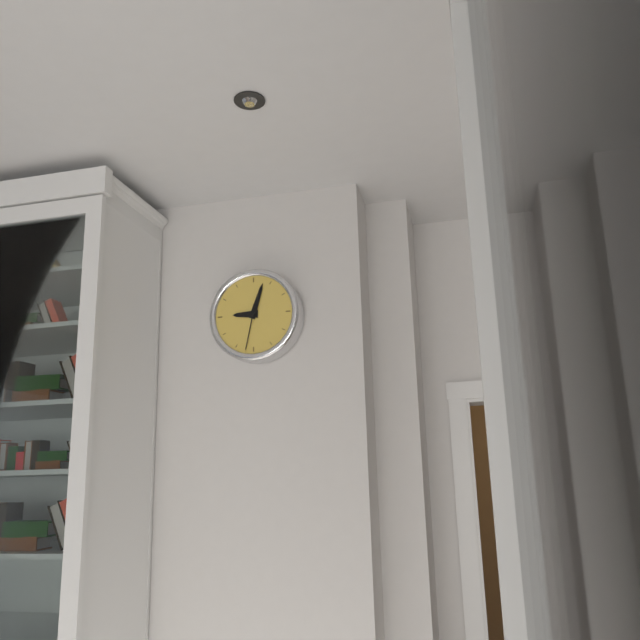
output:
9:03
